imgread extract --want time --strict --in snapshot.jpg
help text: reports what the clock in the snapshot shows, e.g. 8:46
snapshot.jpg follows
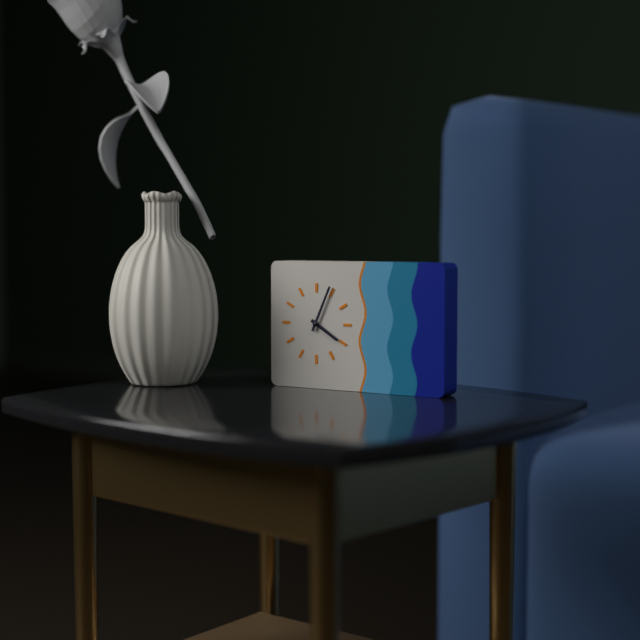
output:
4:04
